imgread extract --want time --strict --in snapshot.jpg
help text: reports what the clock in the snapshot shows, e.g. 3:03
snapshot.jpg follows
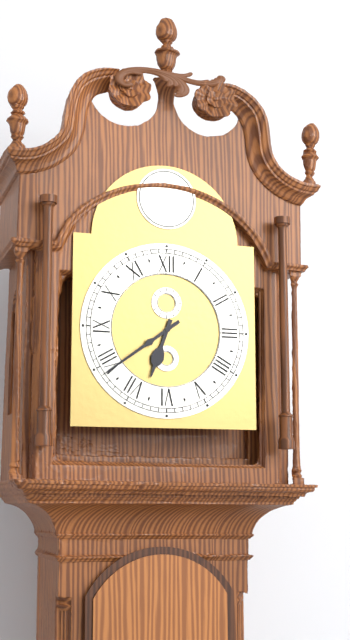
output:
6:39
